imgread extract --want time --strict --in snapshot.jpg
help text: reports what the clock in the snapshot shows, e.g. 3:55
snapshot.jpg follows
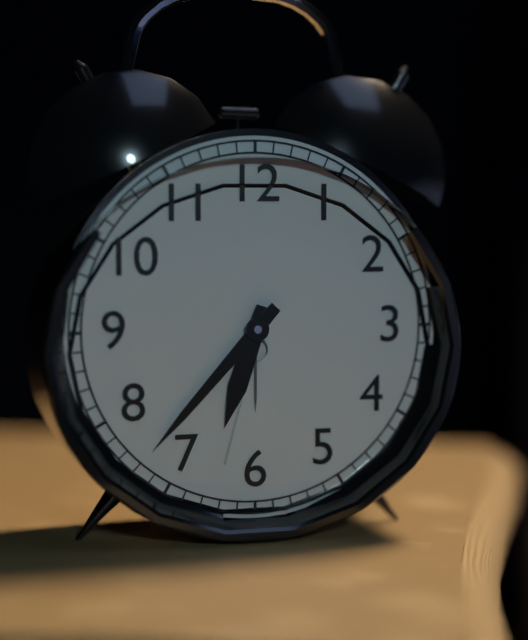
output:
6:37
